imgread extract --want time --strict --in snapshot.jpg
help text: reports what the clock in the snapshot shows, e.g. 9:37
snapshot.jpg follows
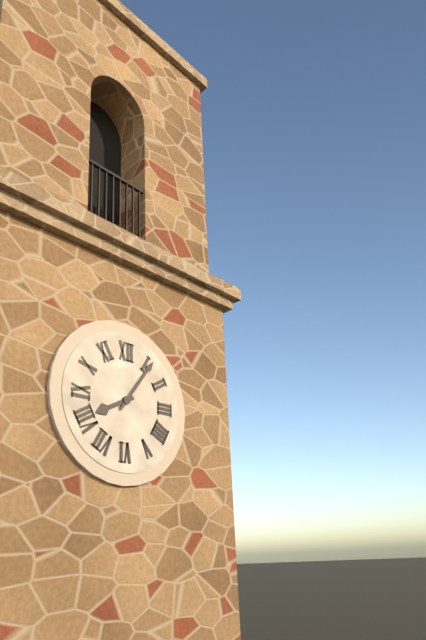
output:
8:06
